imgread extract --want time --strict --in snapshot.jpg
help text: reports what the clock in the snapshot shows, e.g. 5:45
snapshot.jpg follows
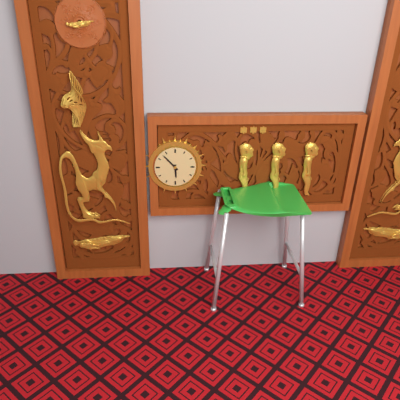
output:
5:53
